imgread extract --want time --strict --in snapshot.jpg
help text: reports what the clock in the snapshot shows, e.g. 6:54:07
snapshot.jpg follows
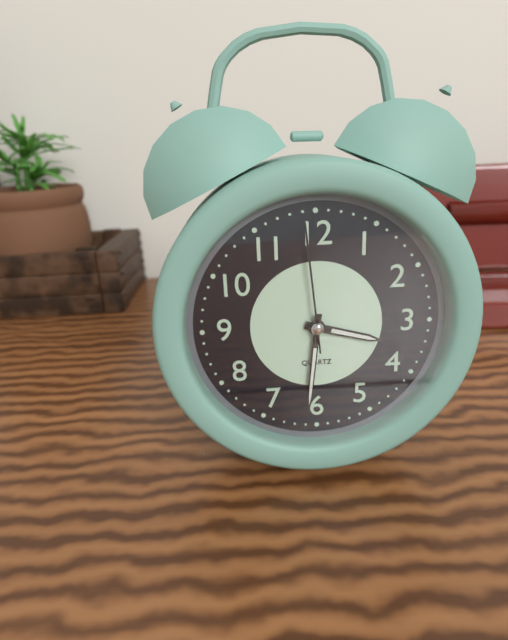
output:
3:31:59
